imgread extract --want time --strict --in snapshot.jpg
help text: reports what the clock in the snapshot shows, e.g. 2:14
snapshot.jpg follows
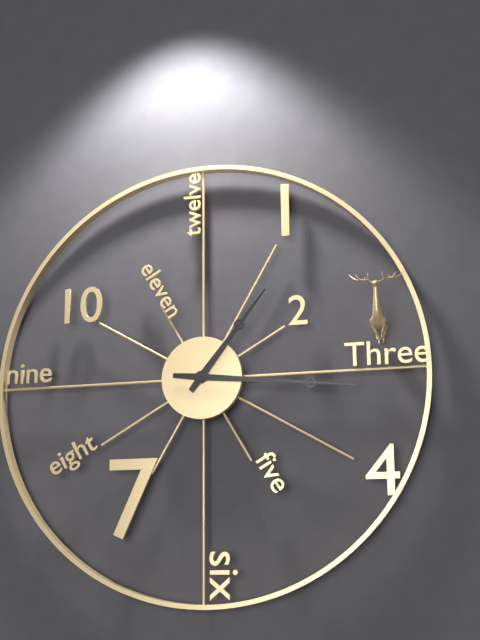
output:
1:16
